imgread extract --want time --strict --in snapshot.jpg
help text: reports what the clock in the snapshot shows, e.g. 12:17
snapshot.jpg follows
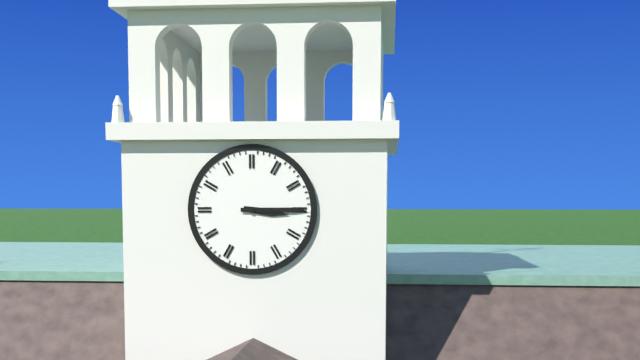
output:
3:15
